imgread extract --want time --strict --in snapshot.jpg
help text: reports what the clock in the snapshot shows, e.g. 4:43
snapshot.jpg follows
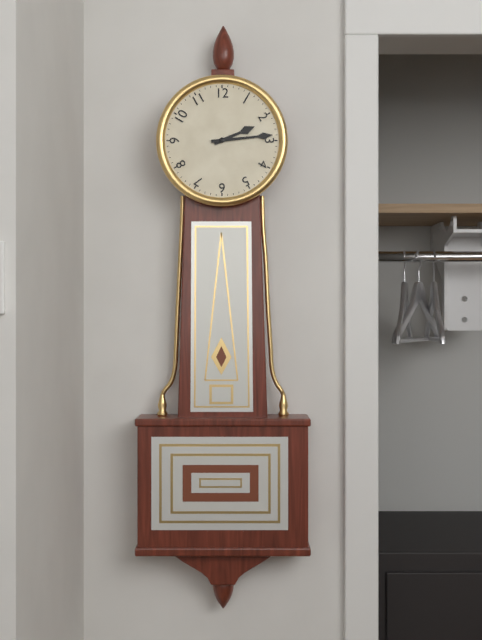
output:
2:14
